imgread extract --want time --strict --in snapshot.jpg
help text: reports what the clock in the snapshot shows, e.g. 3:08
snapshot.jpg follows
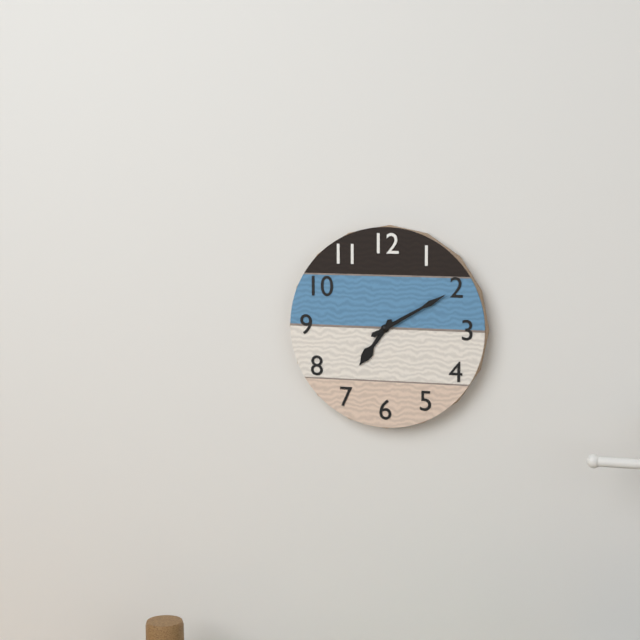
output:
7:10
